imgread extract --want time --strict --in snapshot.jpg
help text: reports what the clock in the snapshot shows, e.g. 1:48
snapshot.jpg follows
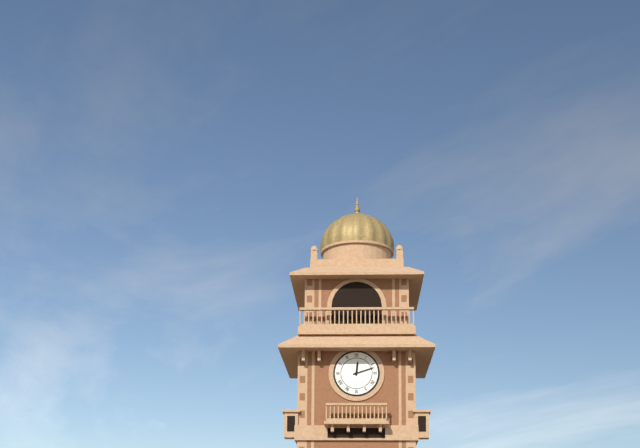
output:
12:12
